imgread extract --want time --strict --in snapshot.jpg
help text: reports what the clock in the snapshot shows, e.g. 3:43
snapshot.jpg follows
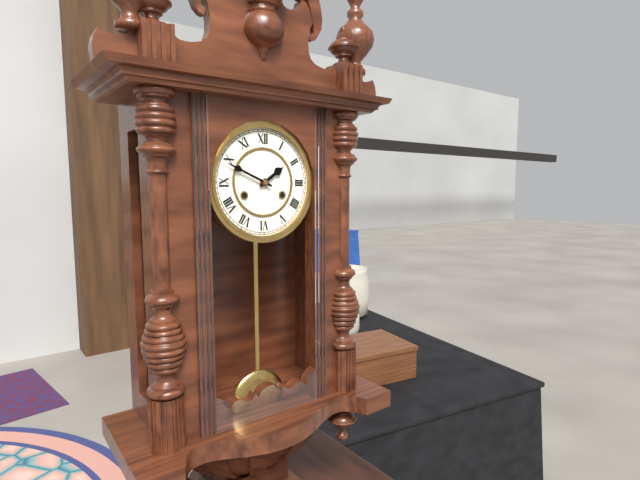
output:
1:49
